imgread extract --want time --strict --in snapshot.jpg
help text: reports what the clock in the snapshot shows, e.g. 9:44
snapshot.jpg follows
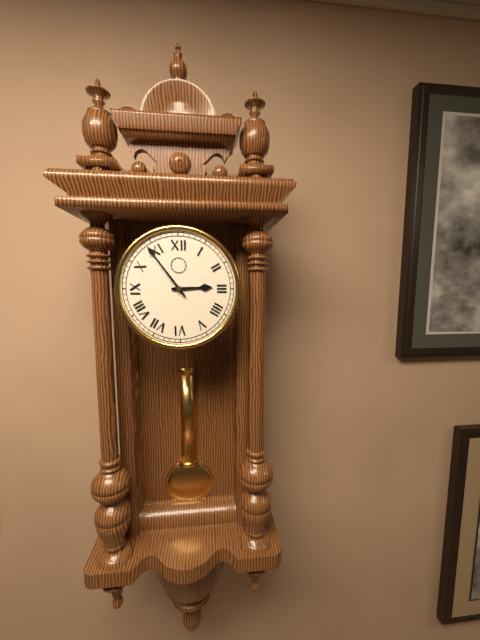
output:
2:54
